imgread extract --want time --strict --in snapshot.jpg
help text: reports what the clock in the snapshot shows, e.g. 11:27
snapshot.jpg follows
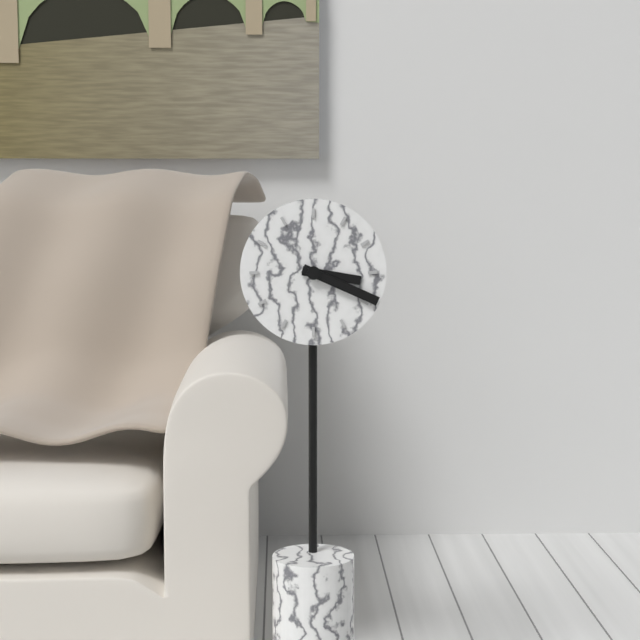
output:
3:19
